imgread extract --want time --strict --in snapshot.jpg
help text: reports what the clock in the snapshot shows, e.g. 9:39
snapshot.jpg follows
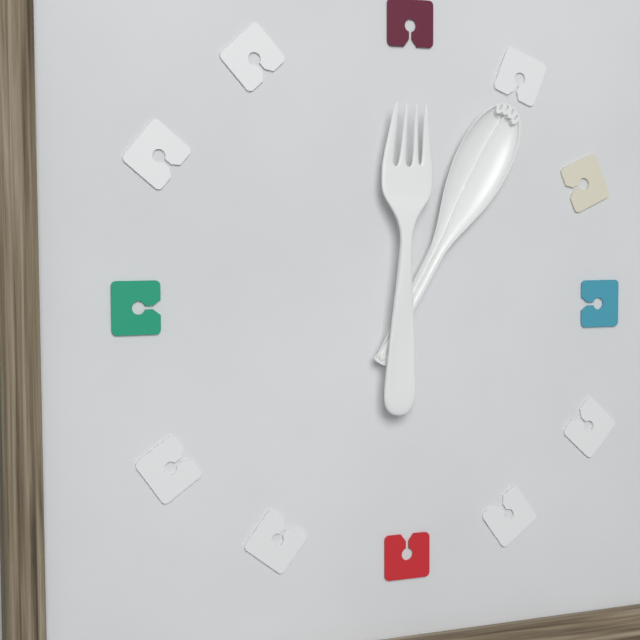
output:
12:05
